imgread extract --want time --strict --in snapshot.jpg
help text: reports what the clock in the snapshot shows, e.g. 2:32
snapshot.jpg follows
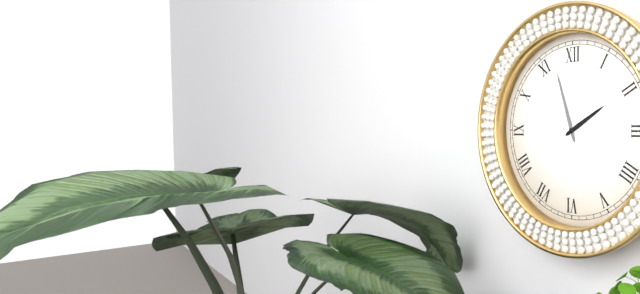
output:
1:57
